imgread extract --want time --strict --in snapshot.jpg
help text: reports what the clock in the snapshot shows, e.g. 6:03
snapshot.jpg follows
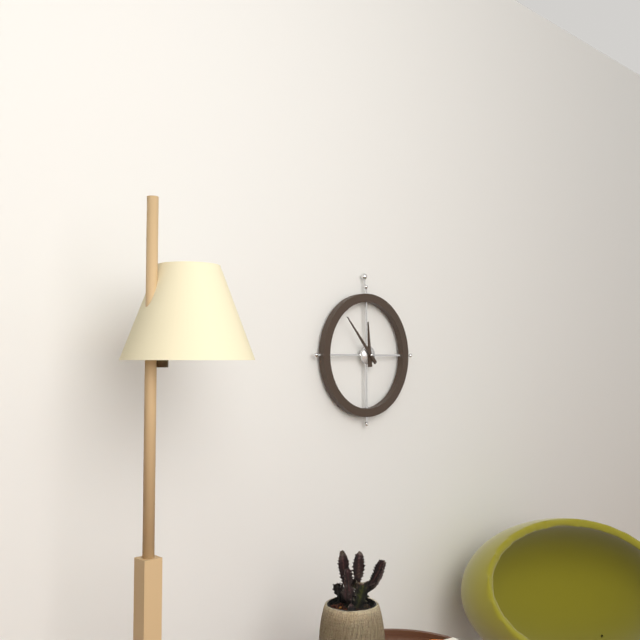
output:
11:53
